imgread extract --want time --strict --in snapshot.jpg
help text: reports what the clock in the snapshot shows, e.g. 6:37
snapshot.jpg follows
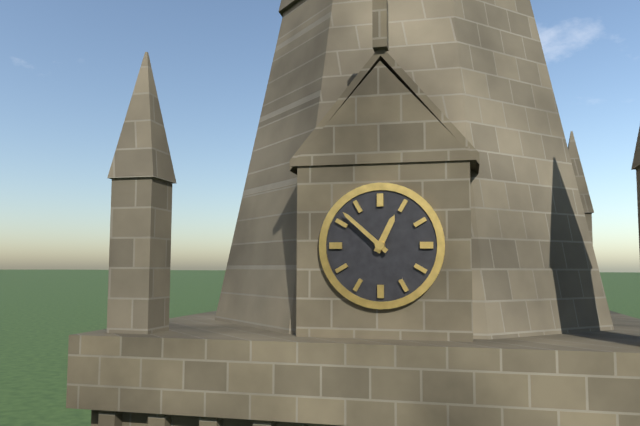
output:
12:52
